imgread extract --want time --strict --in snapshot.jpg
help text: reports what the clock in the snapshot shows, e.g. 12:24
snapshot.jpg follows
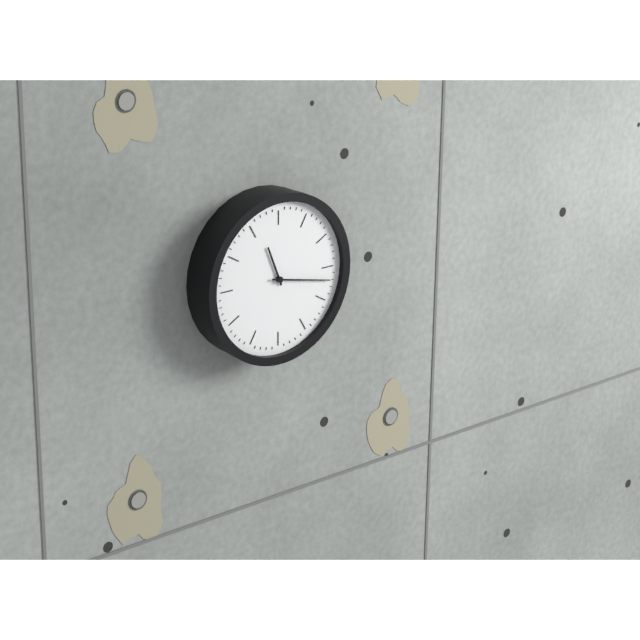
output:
11:17
